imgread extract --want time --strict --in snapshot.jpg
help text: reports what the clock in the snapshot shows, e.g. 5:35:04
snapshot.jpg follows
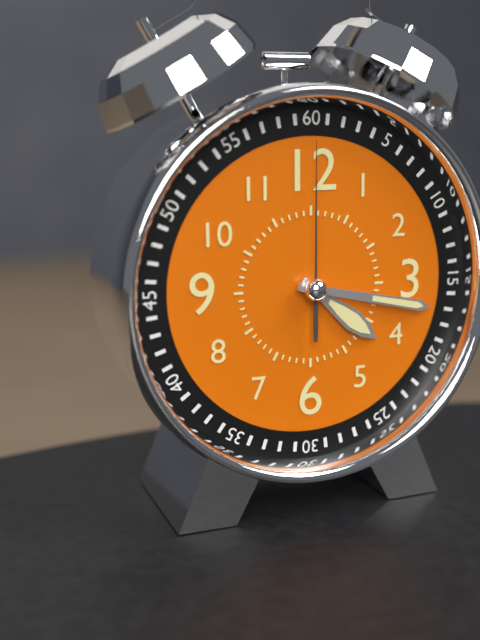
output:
4:17:00
